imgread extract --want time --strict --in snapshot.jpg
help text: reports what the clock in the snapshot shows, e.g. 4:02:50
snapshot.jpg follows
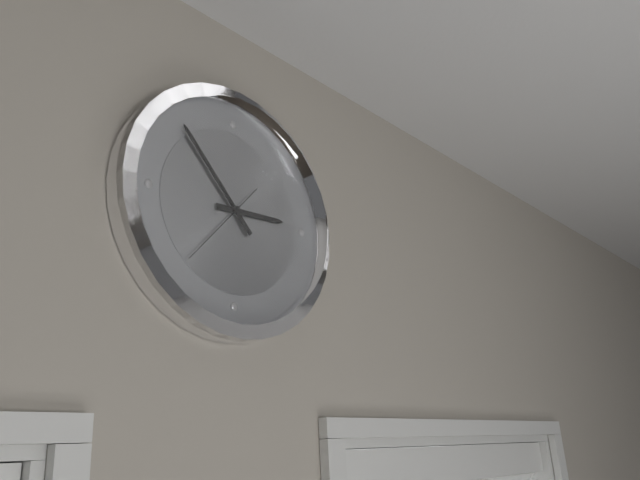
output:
2:53:37
